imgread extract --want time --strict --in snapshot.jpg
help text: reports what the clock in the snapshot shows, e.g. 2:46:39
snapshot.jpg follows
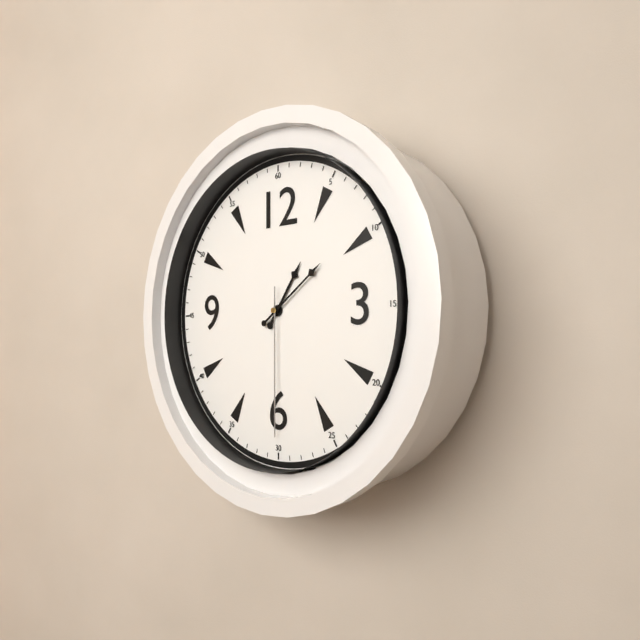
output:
1:09:30
